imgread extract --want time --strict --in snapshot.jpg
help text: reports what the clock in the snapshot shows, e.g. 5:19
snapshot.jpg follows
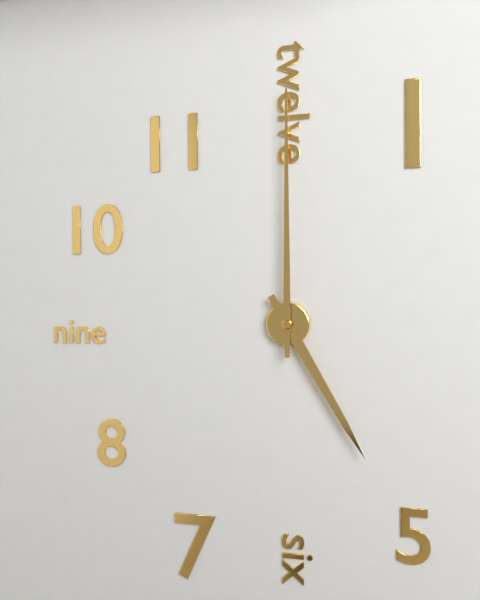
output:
5:00
